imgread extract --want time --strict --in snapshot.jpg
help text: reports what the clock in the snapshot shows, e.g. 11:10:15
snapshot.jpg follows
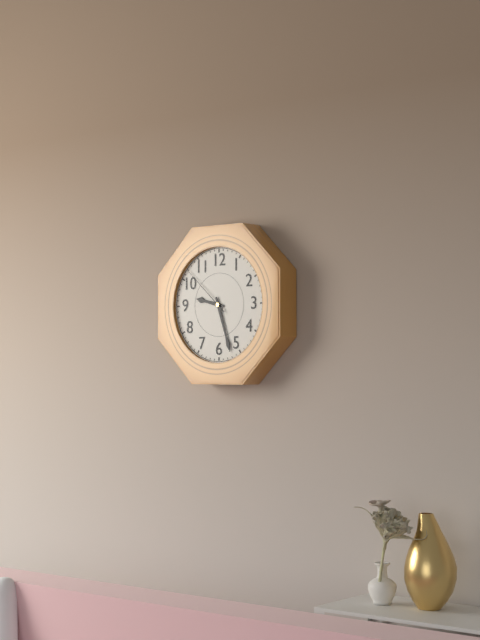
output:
9:27:52
